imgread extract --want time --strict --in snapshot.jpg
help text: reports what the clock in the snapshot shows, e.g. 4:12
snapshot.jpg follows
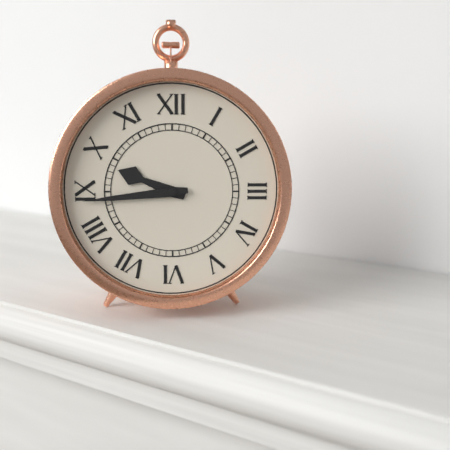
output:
9:44
